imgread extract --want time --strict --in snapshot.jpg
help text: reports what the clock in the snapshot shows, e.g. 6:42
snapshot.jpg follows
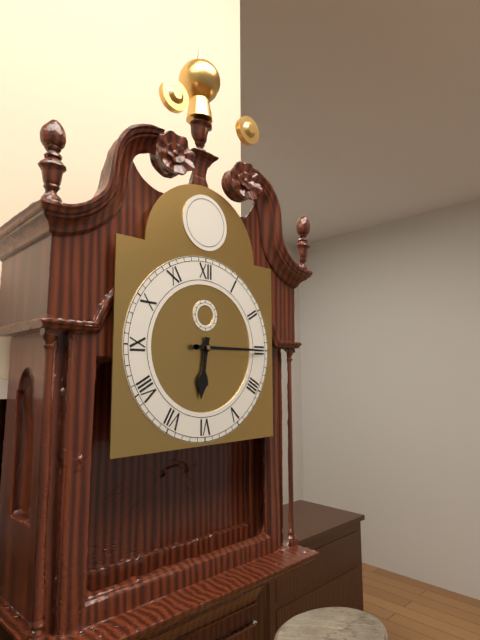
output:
6:15
